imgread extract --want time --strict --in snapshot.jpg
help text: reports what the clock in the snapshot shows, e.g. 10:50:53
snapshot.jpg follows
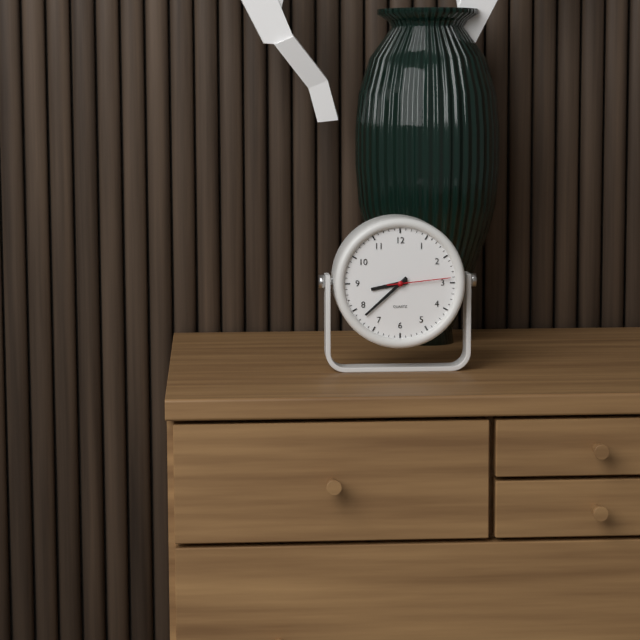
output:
8:38:14
